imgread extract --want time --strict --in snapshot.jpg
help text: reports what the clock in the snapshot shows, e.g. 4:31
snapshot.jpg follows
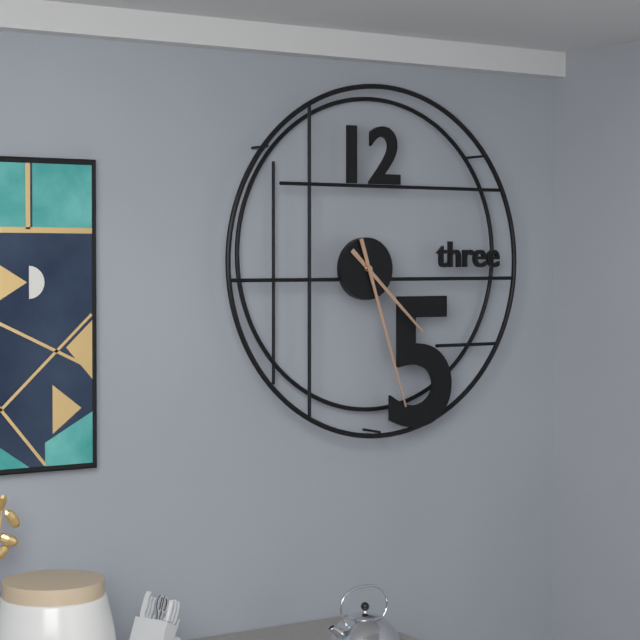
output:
4:27
